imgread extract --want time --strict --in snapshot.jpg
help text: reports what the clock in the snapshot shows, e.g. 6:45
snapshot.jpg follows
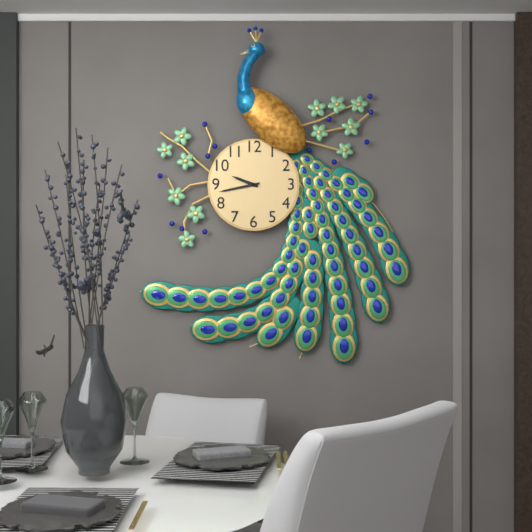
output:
9:43
